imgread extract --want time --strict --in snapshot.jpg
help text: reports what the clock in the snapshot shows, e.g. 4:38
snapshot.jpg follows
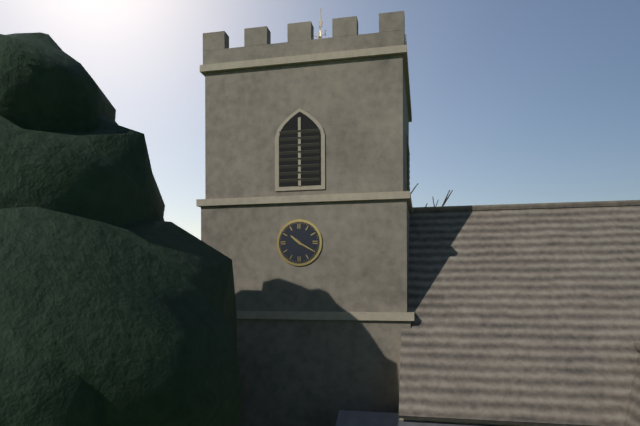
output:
10:20
